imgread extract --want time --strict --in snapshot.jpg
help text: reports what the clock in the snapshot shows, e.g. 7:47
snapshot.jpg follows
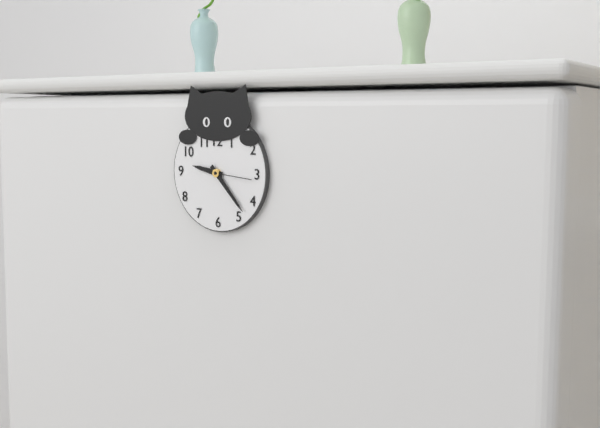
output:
9:23
